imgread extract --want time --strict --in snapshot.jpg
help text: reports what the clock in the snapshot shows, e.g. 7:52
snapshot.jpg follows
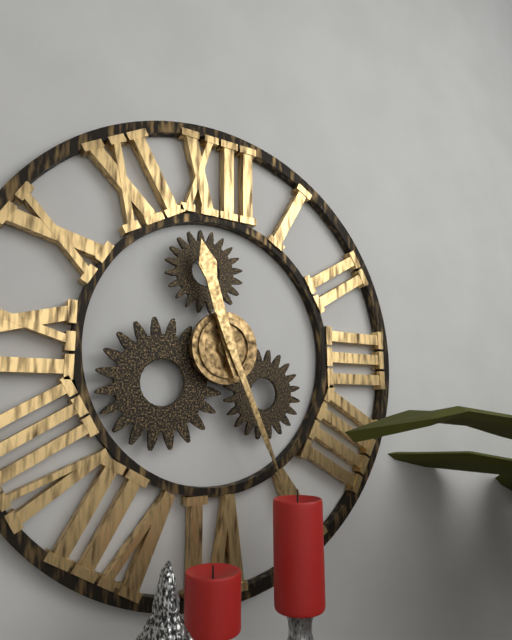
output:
11:26
